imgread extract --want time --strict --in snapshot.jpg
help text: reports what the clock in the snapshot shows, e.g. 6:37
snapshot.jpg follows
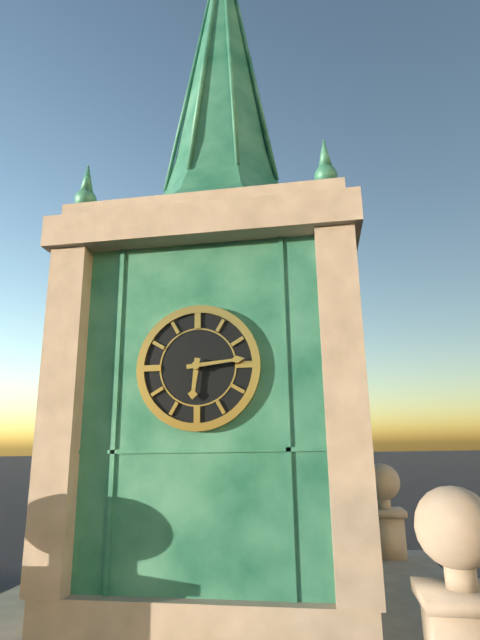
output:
6:14
